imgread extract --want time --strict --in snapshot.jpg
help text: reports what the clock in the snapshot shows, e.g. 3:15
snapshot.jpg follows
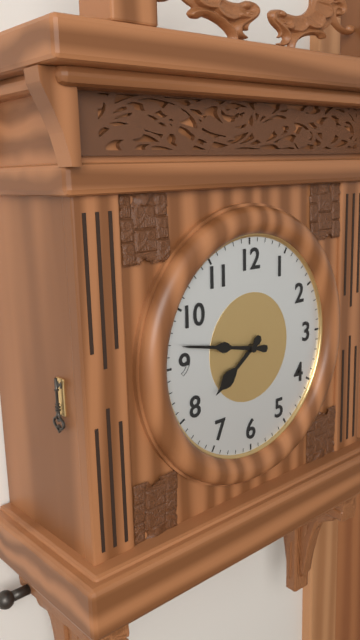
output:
7:47
